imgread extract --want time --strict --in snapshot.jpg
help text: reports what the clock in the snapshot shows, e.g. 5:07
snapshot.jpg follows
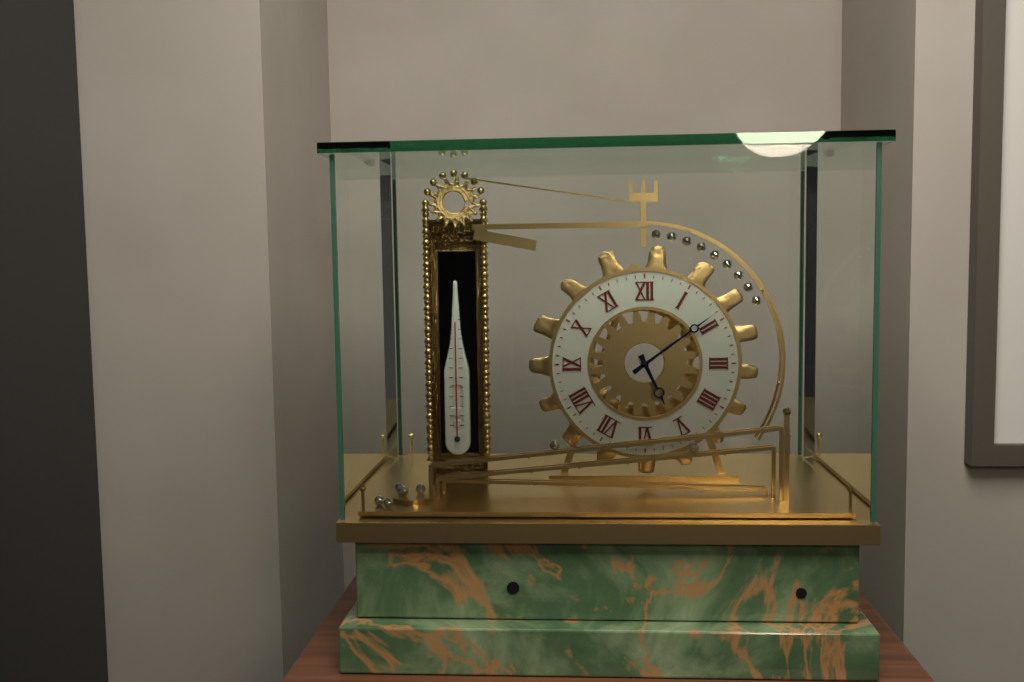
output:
5:09
